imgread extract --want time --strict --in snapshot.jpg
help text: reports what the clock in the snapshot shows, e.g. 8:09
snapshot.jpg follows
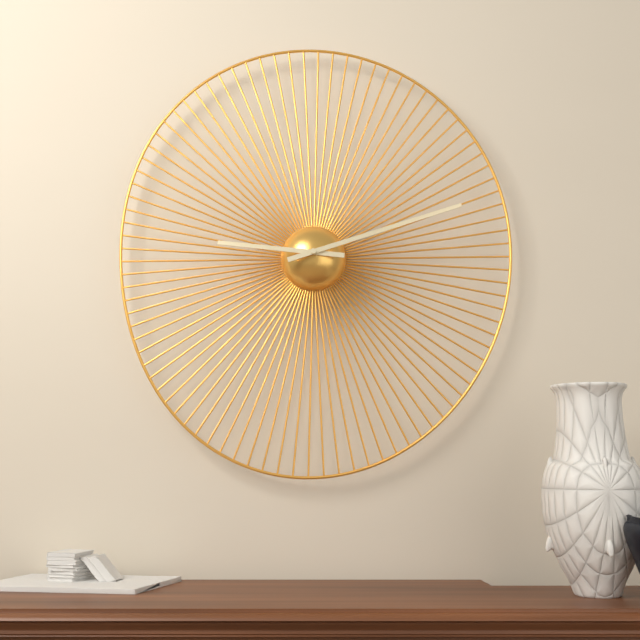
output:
9:12
